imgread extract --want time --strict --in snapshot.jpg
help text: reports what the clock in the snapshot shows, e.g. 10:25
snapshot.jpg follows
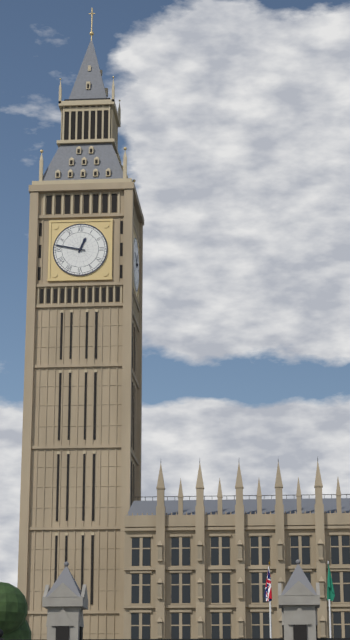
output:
12:47
